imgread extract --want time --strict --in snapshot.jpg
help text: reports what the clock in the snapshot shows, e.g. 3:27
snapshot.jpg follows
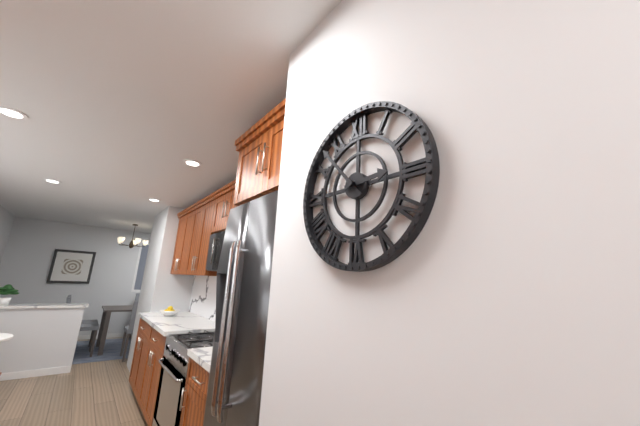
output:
2:53
